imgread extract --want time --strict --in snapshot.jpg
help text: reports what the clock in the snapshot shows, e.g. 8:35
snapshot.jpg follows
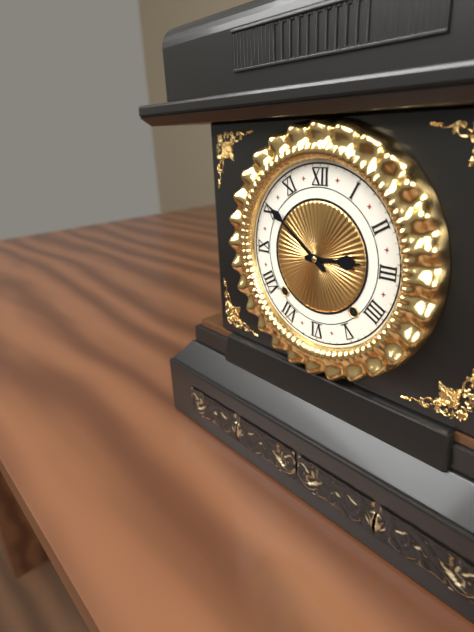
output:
2:51
